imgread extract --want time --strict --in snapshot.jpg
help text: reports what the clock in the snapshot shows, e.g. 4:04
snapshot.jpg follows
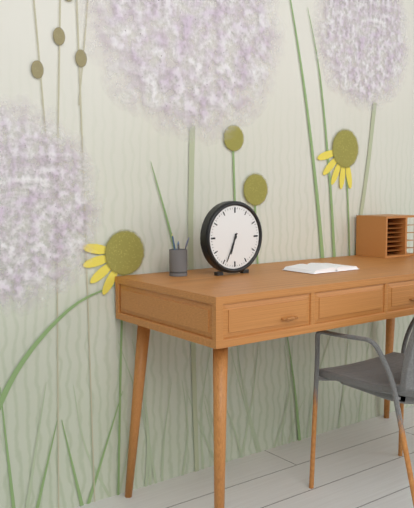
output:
6:34
